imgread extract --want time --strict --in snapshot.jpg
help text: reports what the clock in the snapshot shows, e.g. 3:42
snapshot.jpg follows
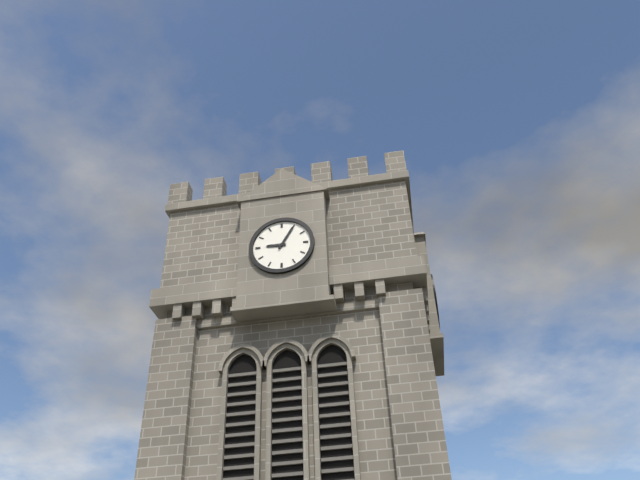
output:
9:05
